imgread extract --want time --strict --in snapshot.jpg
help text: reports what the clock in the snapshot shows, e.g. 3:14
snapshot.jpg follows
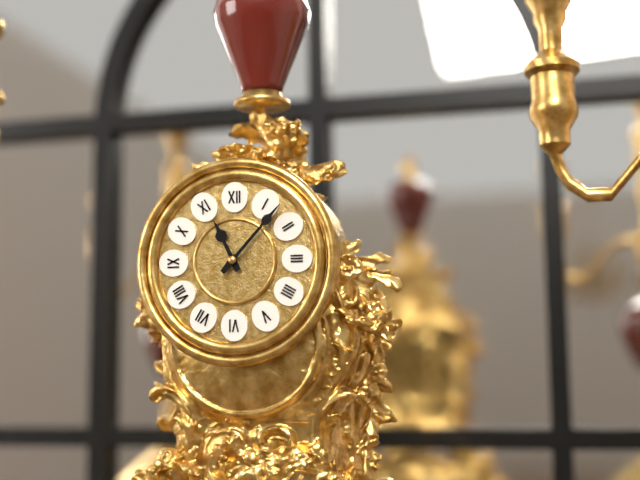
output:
11:07
